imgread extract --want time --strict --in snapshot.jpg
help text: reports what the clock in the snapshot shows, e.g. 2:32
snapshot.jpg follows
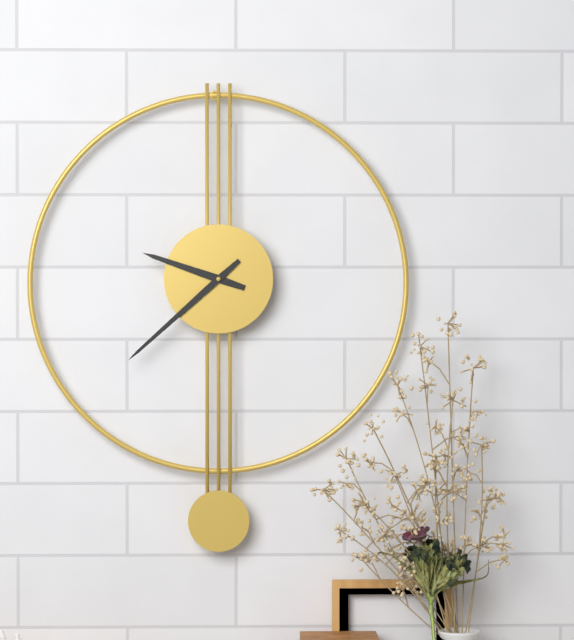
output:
9:38
